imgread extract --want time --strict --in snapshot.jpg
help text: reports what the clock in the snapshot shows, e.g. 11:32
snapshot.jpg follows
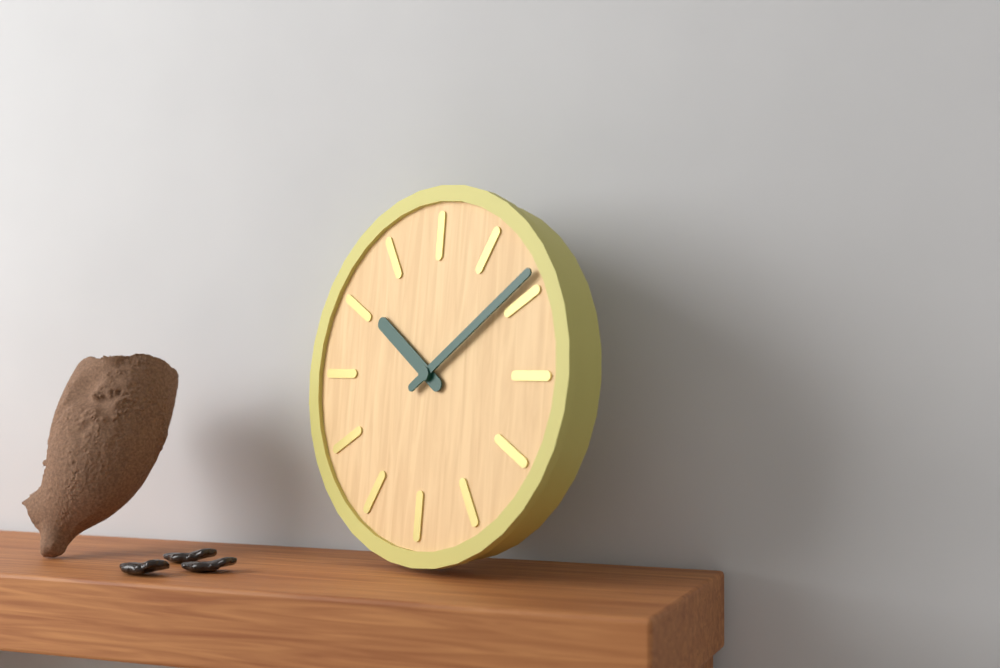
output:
10:09
